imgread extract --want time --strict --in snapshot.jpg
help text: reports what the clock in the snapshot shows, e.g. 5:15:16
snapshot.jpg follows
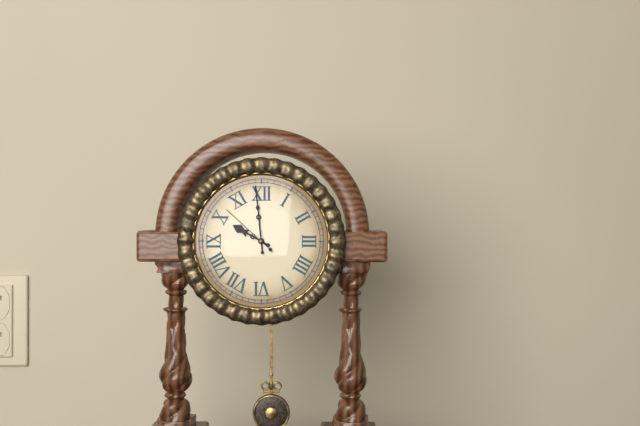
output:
9:59:52
